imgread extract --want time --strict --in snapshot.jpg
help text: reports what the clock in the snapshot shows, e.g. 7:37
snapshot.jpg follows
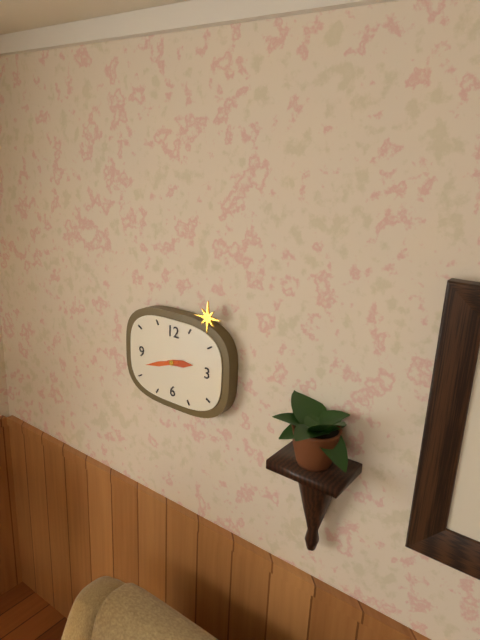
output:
2:42
